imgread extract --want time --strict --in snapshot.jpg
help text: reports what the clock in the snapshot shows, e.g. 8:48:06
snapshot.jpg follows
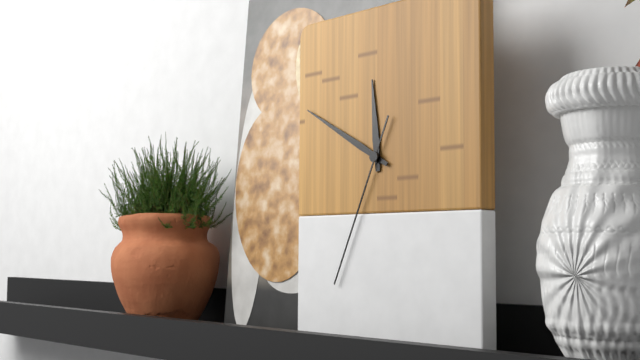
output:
11:50:34
